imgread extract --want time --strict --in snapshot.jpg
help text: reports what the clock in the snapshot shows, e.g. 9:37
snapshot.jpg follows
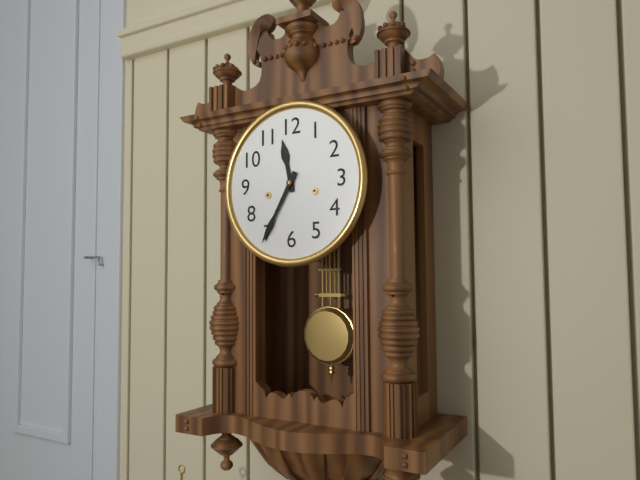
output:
11:35
